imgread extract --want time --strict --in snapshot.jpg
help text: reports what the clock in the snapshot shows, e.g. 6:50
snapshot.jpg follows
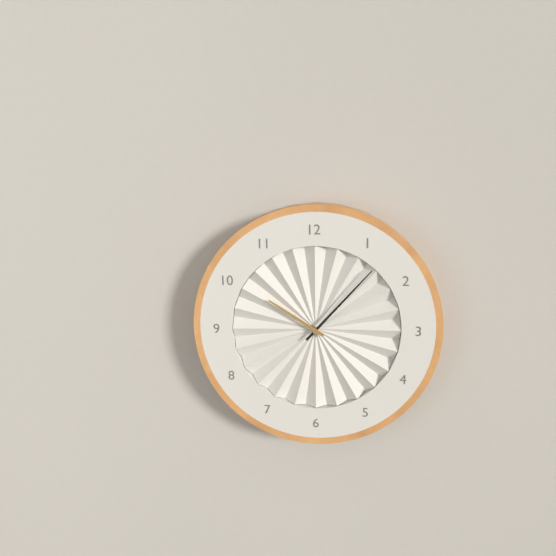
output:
10:07
